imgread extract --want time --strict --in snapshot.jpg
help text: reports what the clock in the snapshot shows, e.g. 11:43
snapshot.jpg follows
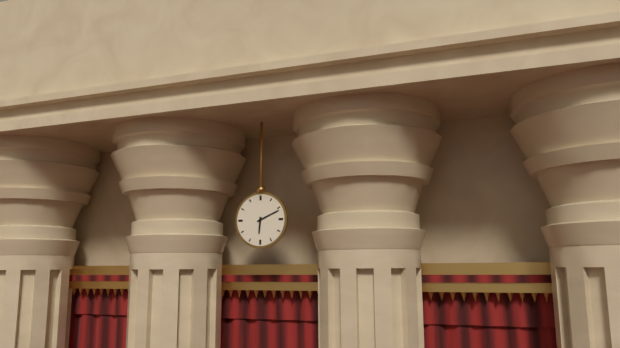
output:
6:11
